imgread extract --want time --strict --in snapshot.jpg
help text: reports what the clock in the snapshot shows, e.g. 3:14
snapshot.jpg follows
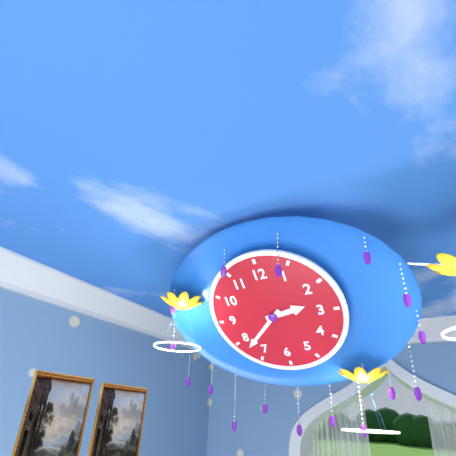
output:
2:38
